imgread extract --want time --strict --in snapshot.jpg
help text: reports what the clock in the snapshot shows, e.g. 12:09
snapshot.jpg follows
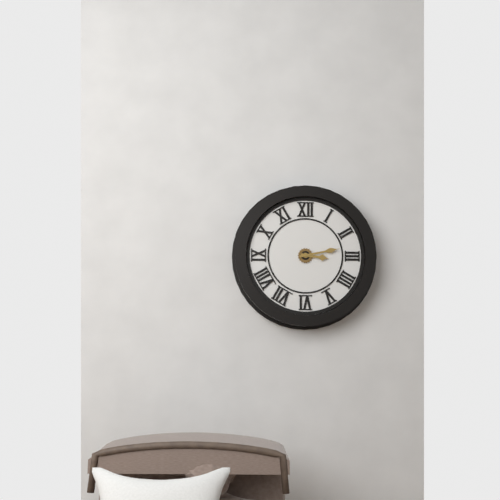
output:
3:13
